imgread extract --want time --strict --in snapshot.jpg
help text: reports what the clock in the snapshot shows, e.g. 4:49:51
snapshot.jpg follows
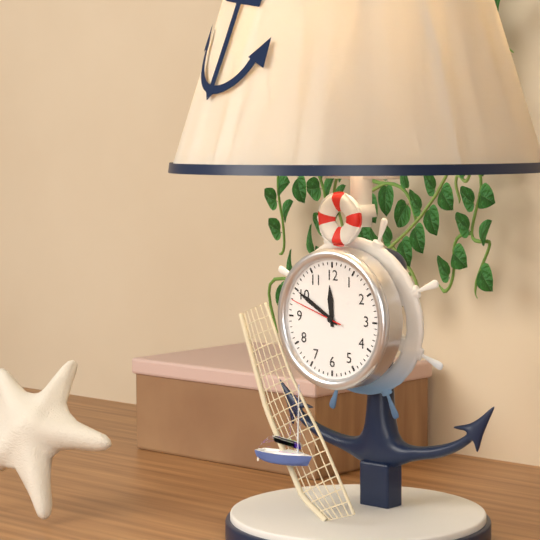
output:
11:50:48
